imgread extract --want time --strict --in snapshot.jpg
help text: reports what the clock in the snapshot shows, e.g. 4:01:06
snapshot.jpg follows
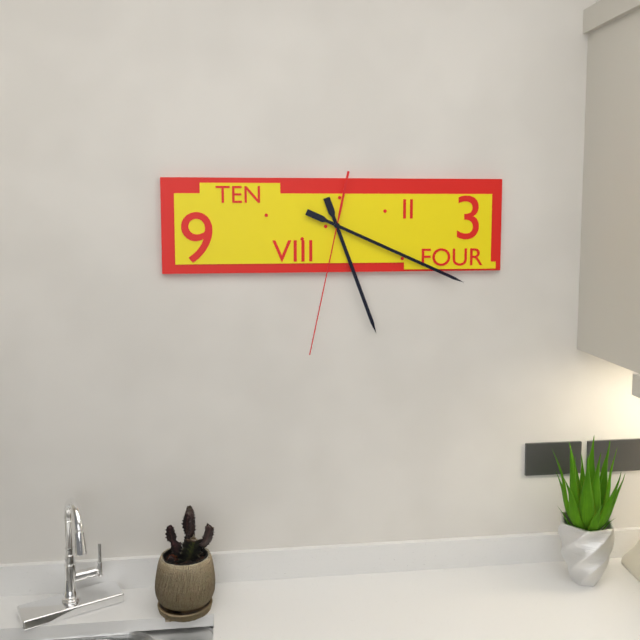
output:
5:19:32
